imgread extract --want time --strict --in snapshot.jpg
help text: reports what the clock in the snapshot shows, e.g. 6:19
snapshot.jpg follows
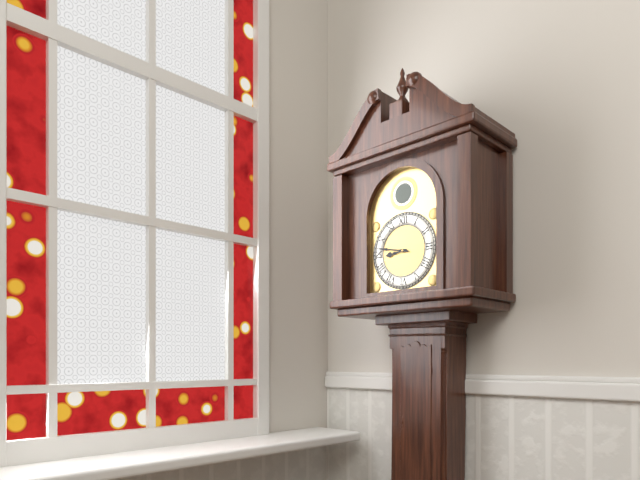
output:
8:47
